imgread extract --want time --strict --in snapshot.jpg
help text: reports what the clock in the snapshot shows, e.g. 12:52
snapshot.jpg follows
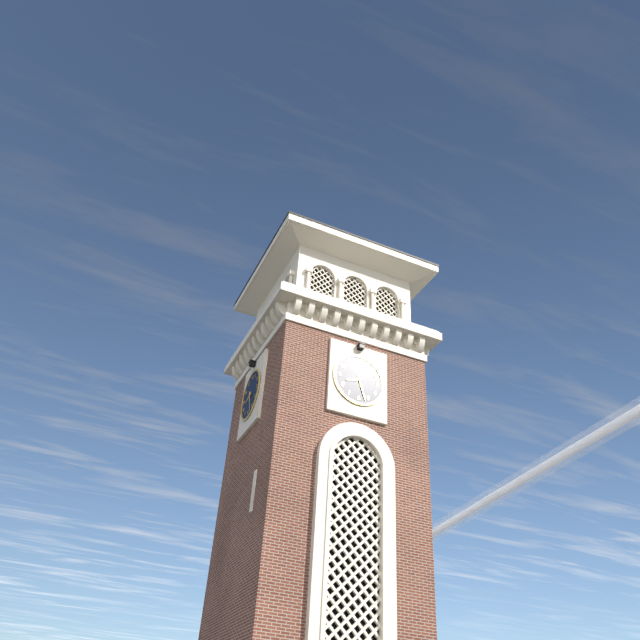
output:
8:27
